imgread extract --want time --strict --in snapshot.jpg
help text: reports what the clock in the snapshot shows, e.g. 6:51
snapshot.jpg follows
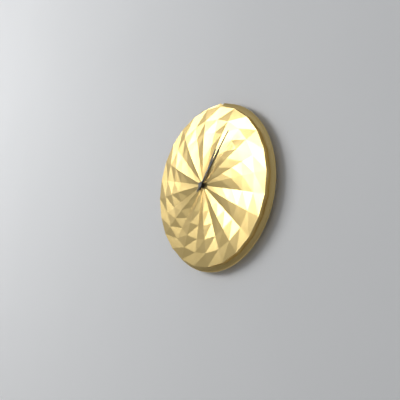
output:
1:07
